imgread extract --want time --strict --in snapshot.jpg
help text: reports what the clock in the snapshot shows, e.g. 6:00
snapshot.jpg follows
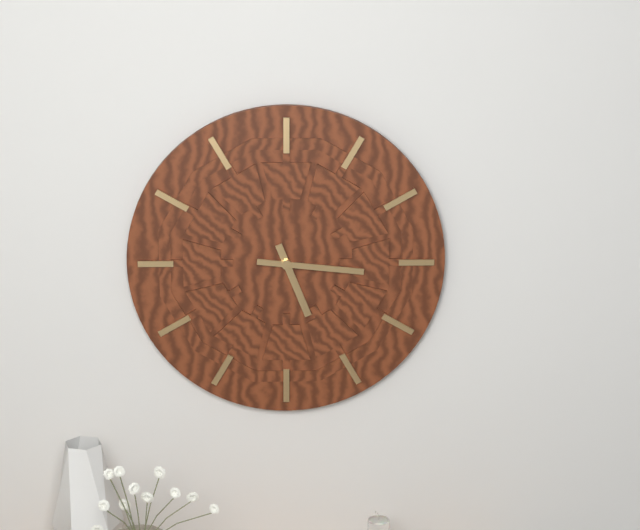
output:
5:16
